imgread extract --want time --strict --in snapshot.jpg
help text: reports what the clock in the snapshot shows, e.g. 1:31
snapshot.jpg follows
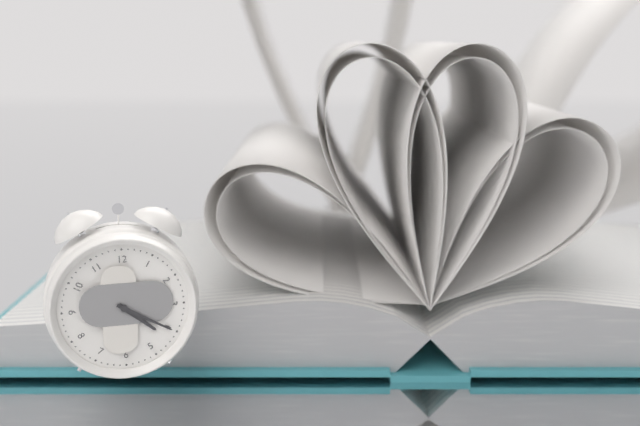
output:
4:20
